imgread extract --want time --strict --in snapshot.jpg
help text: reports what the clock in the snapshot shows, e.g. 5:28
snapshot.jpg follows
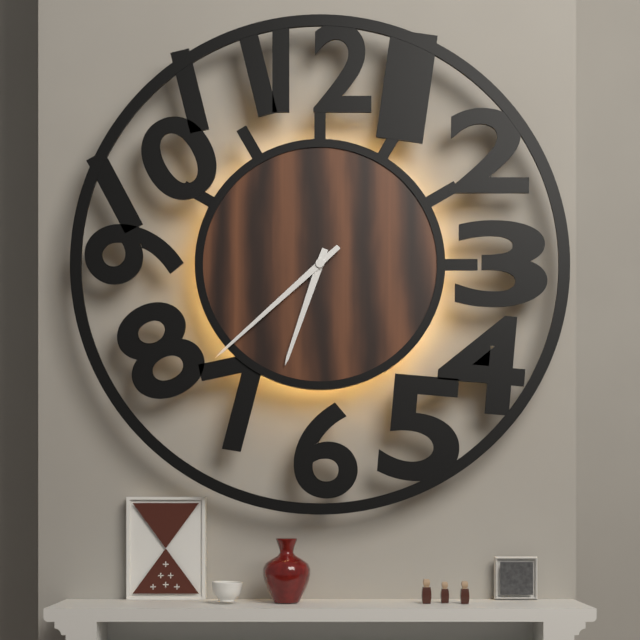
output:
6:38
